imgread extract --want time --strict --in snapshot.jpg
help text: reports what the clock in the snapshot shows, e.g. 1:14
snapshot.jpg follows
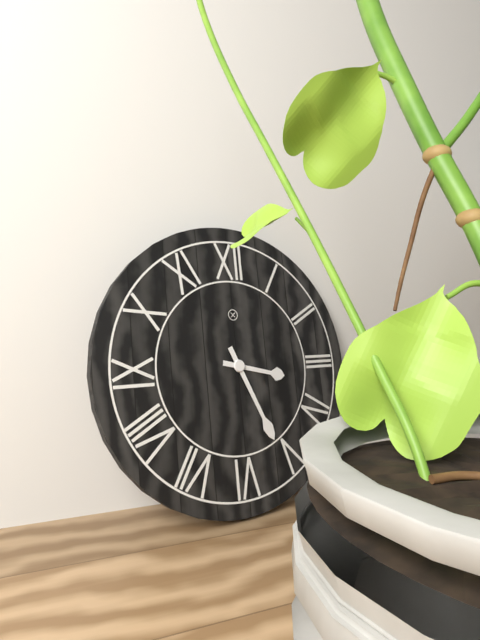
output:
3:26
